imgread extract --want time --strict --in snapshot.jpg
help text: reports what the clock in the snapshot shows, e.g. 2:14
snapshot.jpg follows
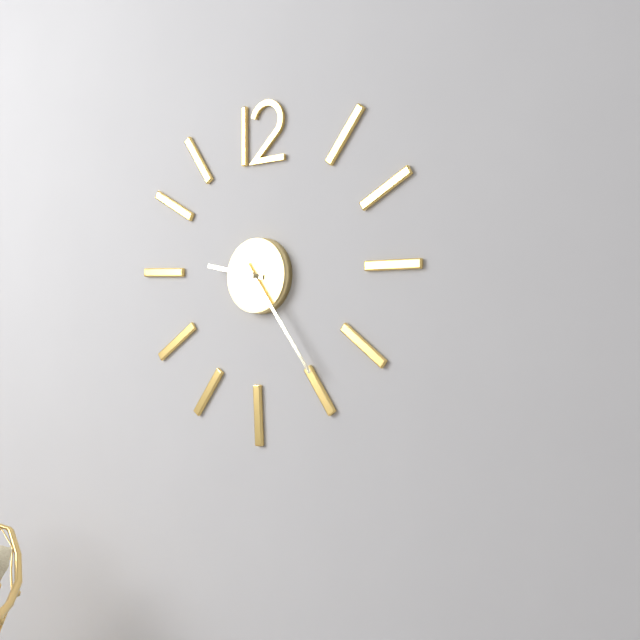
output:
9:24
